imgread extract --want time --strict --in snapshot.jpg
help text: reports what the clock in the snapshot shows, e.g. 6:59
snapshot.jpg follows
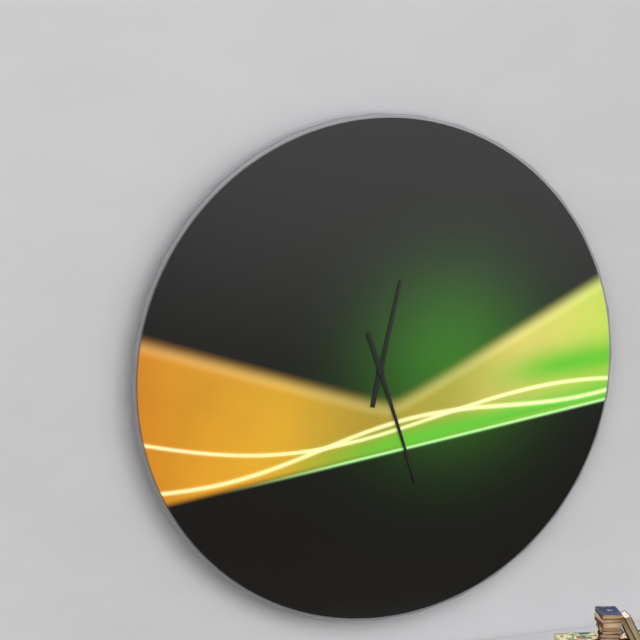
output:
12:27
